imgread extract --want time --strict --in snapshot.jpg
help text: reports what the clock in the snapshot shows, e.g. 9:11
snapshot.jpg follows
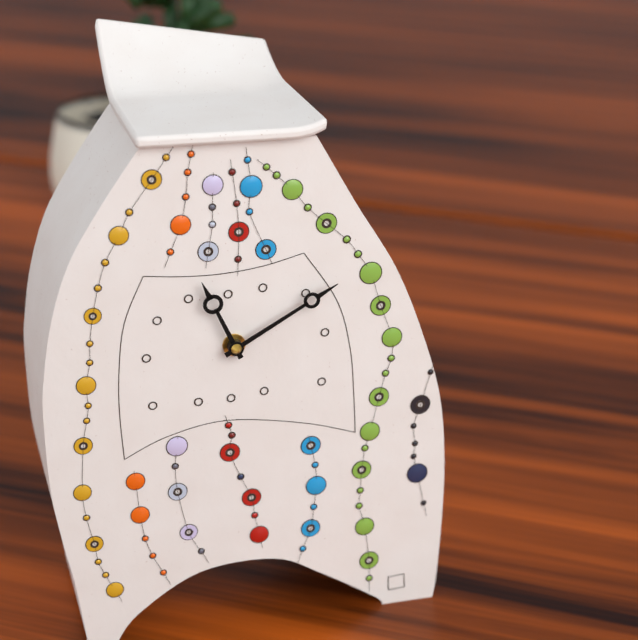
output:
11:10
